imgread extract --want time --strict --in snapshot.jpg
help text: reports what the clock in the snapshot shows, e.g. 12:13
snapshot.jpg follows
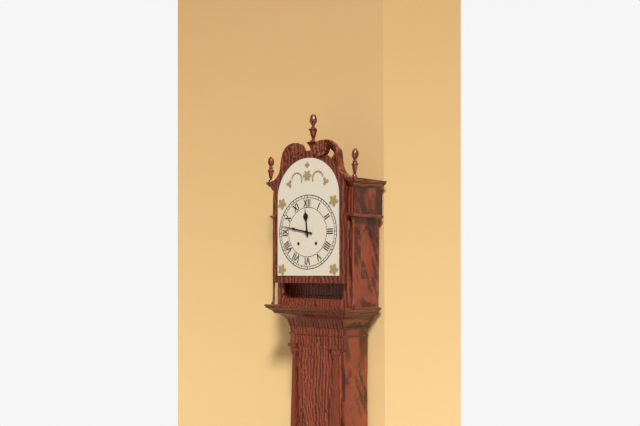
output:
11:47
